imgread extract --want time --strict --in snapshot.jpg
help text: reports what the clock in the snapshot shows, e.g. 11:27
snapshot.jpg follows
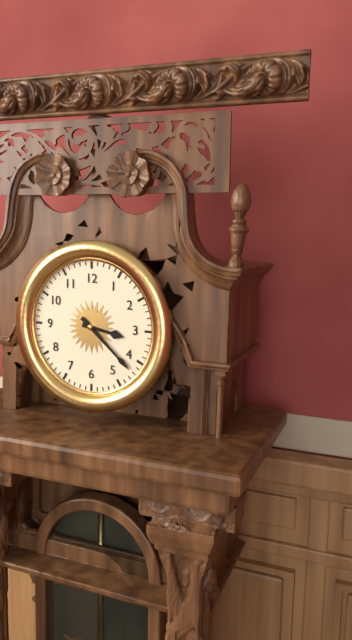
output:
3:22
